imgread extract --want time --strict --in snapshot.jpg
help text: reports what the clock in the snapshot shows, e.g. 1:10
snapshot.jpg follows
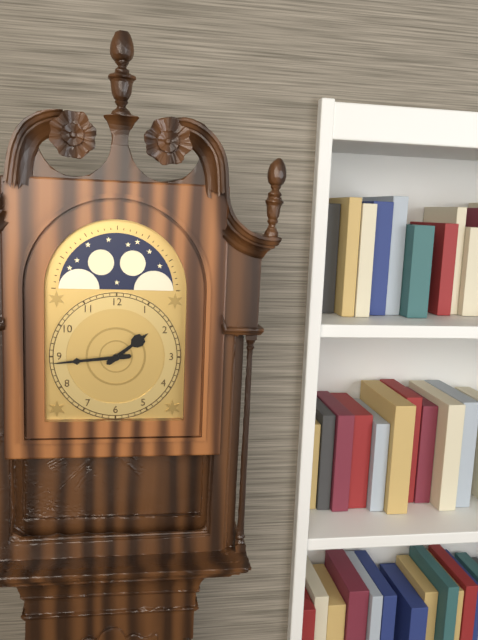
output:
1:44
